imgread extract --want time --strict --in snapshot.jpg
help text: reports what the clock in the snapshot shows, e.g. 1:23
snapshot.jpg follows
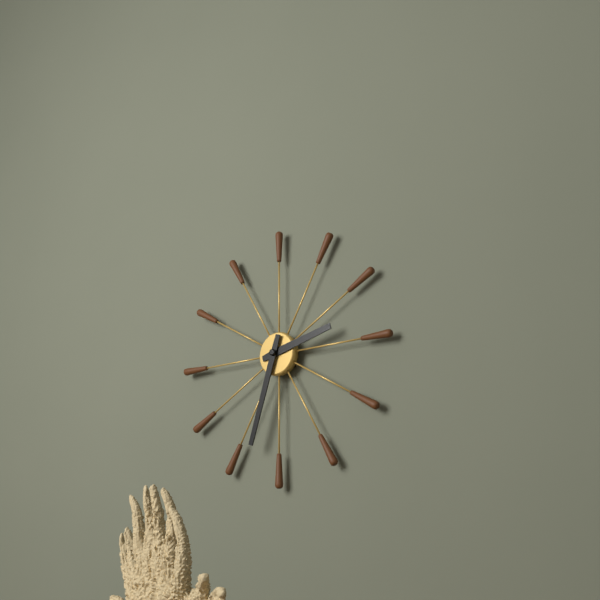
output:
2:33
